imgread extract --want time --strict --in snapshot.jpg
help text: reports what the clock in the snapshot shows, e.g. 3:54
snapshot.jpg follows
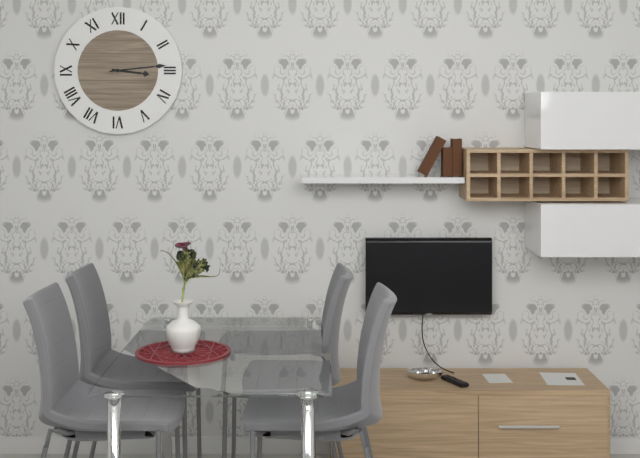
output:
3:14
